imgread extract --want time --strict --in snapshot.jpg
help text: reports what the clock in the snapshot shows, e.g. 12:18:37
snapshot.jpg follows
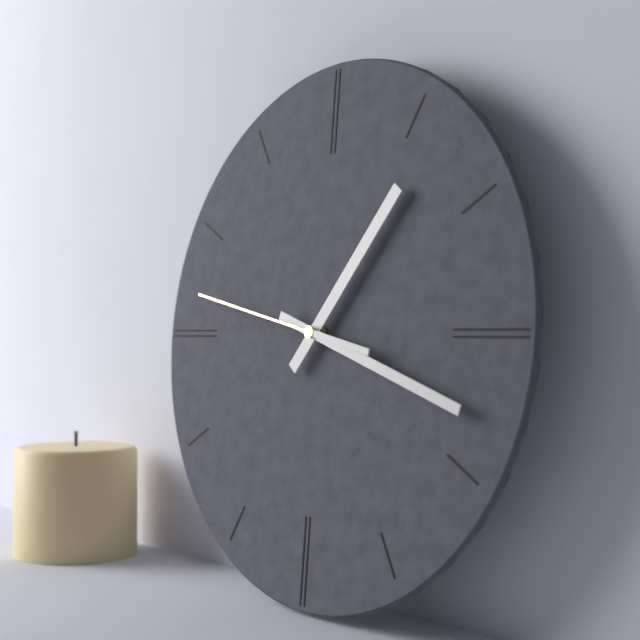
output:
1:18:47
